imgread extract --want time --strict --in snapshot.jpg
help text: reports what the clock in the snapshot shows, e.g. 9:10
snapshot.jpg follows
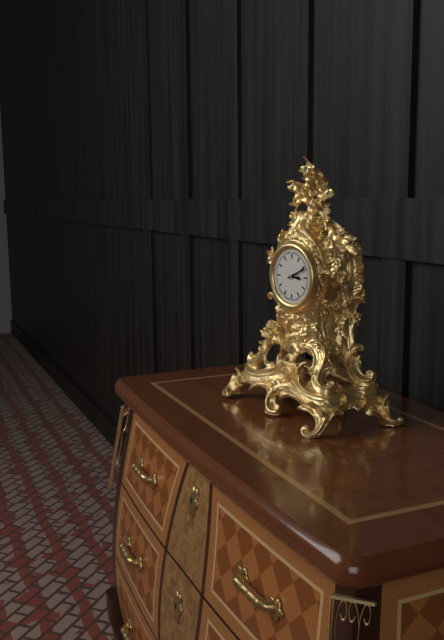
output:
3:11
